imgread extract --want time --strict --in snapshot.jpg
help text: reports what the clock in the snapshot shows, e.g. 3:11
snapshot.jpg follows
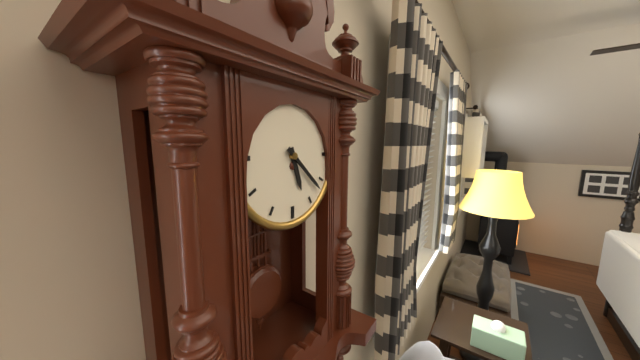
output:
5:22
